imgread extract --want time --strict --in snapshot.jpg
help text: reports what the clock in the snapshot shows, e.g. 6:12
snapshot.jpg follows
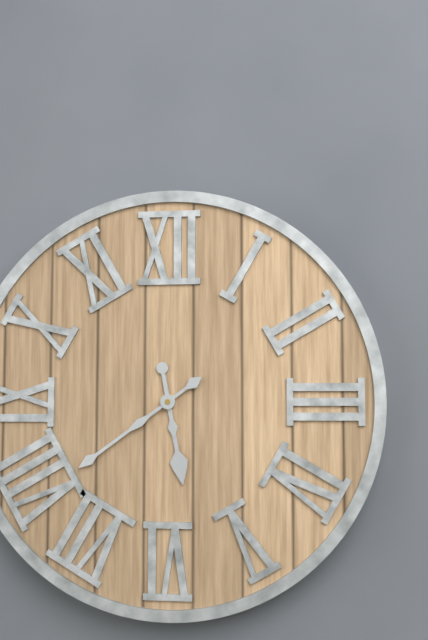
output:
5:39
